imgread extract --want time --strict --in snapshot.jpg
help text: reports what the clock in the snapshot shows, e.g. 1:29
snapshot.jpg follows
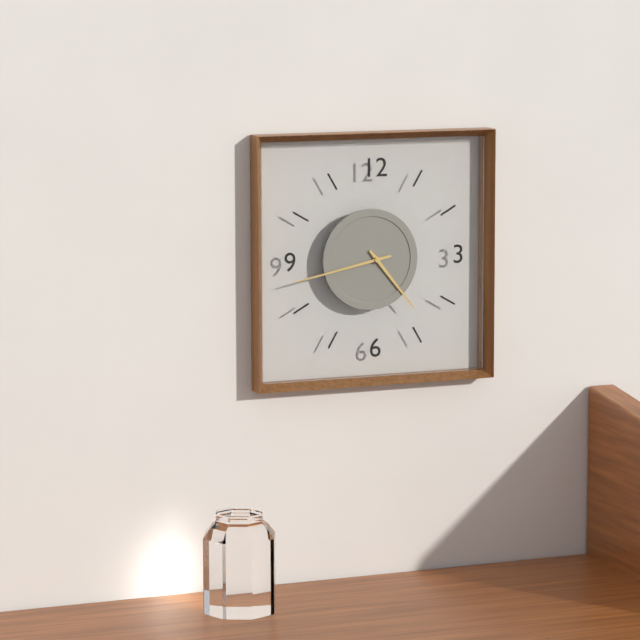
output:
4:43
